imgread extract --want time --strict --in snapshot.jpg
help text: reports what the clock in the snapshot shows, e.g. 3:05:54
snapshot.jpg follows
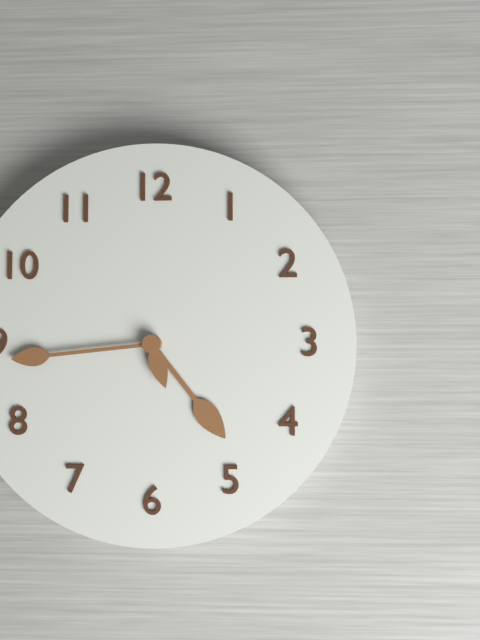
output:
4:44:27
